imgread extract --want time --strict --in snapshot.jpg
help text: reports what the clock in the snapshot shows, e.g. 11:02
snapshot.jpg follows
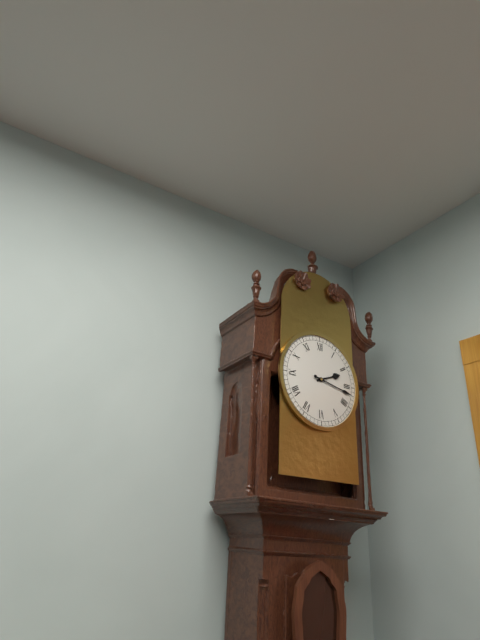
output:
2:17
